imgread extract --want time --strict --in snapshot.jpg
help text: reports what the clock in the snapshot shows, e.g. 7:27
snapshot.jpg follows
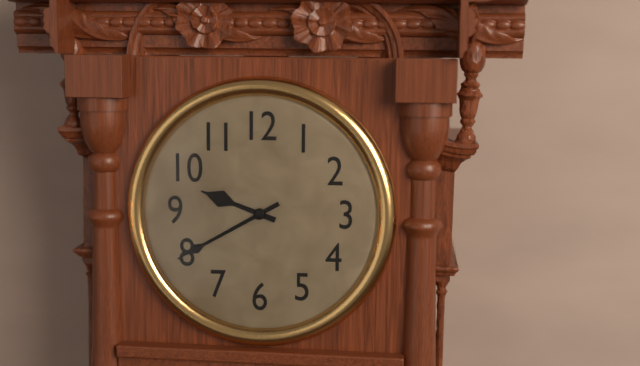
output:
9:40
